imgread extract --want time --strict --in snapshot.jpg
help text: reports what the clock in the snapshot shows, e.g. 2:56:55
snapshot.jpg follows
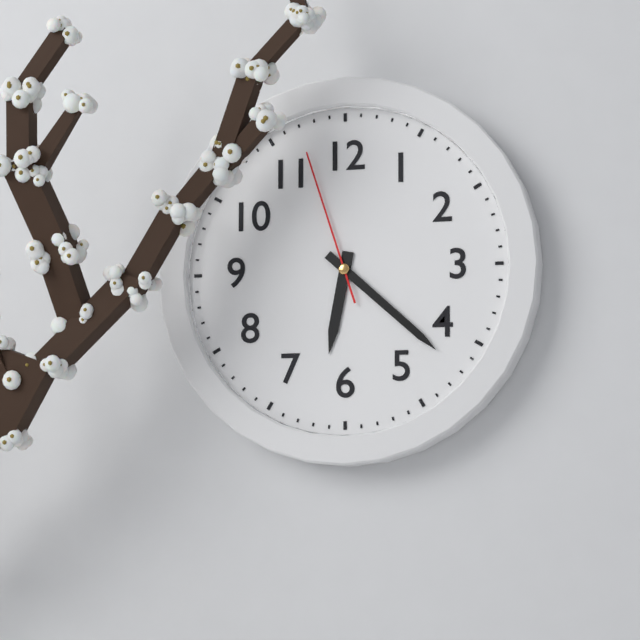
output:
6:22:57
